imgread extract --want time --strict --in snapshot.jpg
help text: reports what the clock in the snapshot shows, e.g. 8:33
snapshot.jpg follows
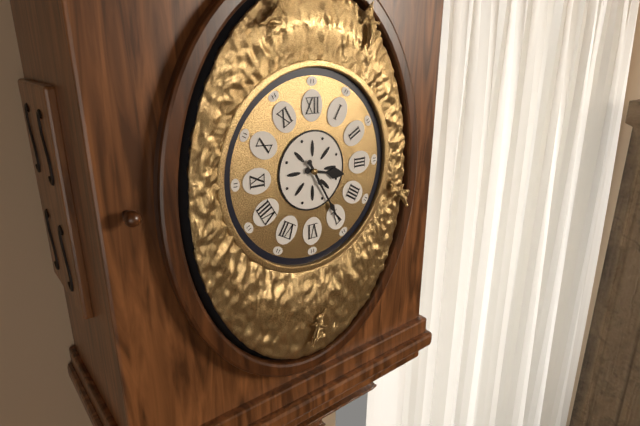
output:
3:25
